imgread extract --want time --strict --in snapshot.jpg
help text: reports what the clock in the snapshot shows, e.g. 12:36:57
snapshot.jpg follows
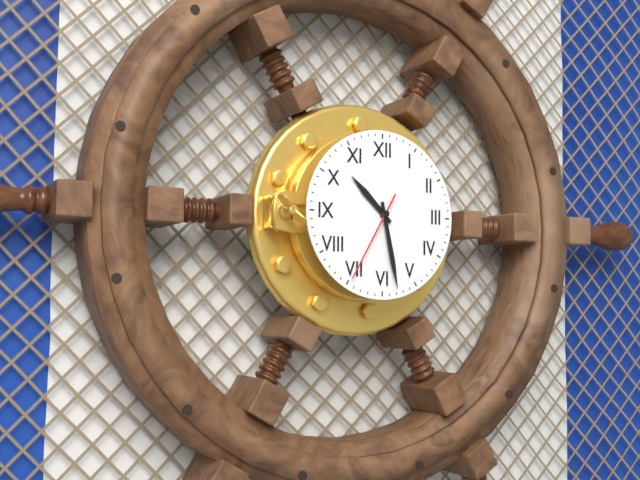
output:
10:28:35
